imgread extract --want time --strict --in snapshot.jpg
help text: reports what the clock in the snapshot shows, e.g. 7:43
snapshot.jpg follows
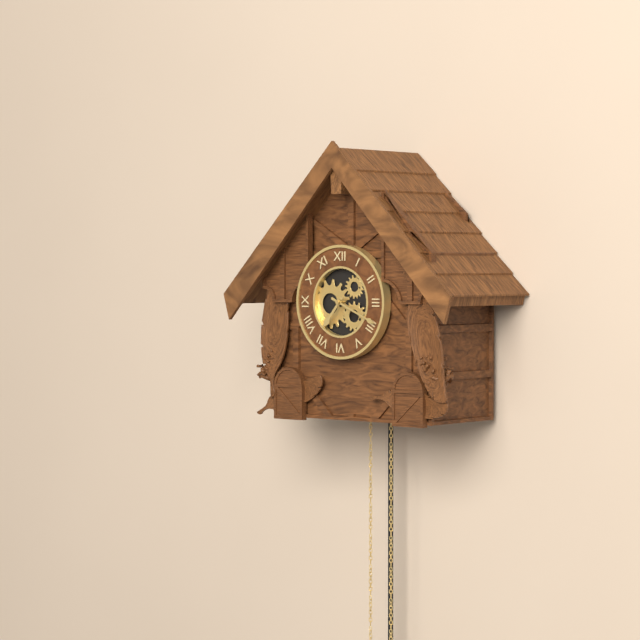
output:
7:19
